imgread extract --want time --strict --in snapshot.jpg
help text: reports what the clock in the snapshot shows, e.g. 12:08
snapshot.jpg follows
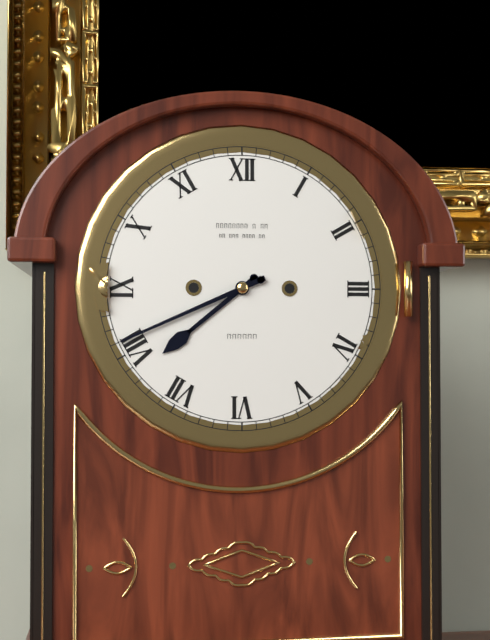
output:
7:41
